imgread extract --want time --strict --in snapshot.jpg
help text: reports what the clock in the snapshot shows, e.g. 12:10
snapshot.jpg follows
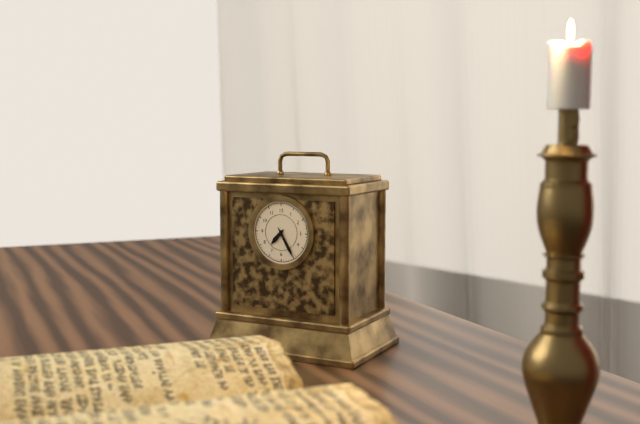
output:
7:25
